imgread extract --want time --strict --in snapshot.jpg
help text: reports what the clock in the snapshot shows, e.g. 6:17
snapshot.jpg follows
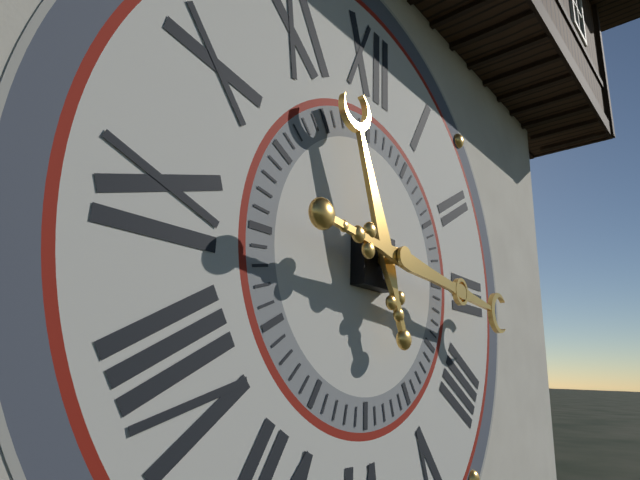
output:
11:16
